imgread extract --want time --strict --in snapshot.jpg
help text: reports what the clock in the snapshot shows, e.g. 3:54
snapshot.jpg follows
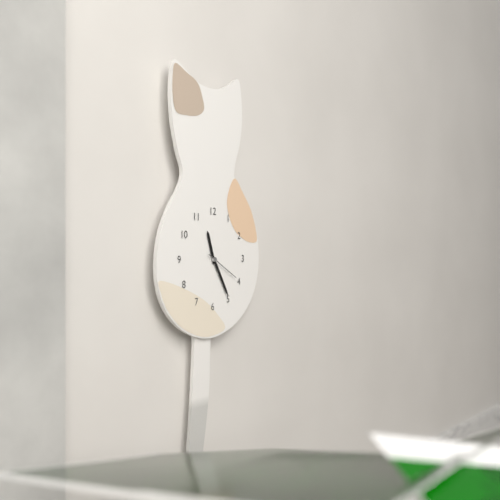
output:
11:25
